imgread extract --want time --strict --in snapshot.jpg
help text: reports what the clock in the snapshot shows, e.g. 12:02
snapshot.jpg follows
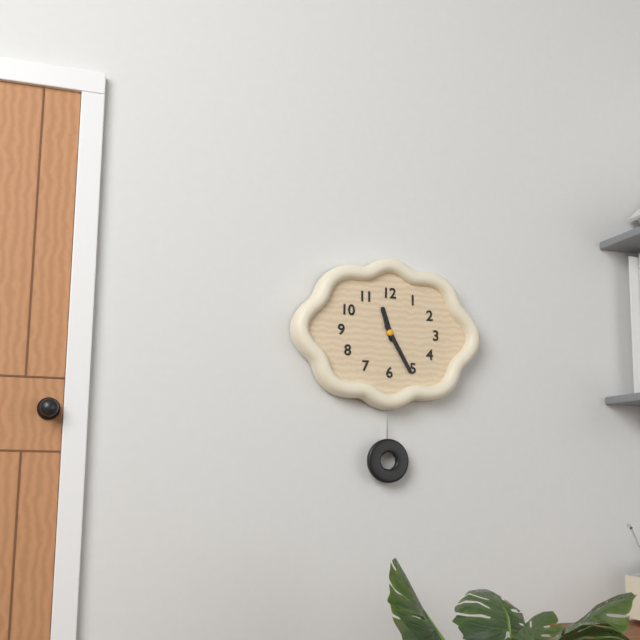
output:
11:25
